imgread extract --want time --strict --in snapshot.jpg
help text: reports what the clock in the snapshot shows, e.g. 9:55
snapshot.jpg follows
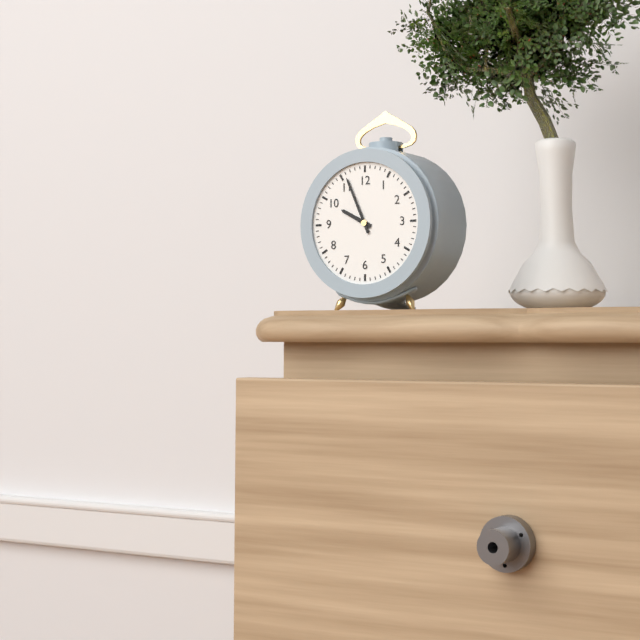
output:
9:56
